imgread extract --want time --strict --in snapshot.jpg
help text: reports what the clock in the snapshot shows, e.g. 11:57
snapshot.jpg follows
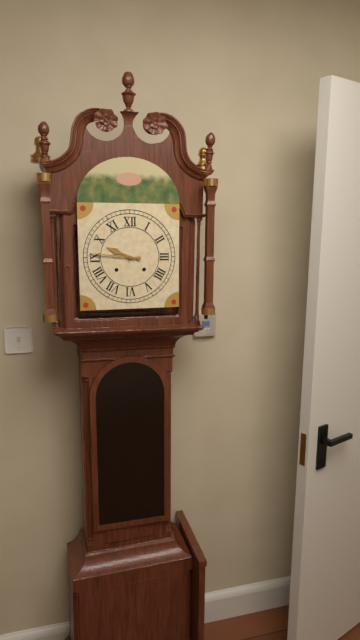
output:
9:46
